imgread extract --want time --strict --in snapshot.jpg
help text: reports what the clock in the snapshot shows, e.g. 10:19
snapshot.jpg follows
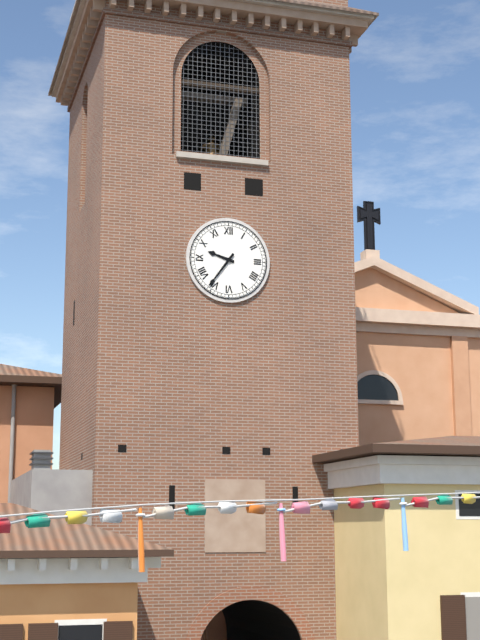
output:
9:36
